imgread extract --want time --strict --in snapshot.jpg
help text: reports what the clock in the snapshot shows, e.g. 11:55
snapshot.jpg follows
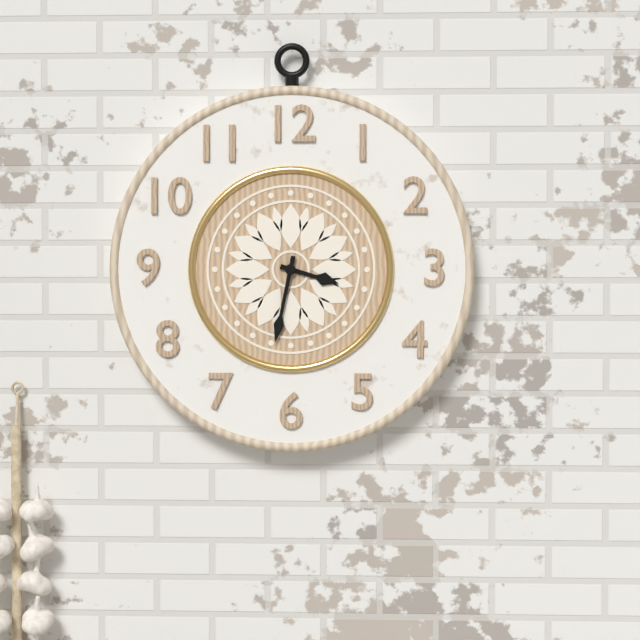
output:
3:32
